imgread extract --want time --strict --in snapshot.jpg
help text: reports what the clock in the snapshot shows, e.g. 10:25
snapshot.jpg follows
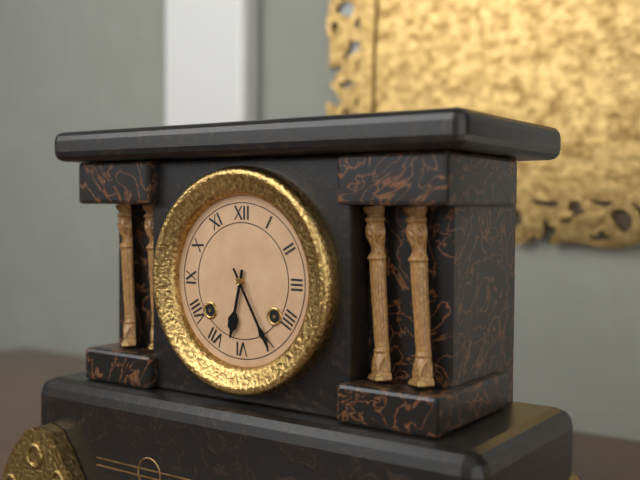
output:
6:25
